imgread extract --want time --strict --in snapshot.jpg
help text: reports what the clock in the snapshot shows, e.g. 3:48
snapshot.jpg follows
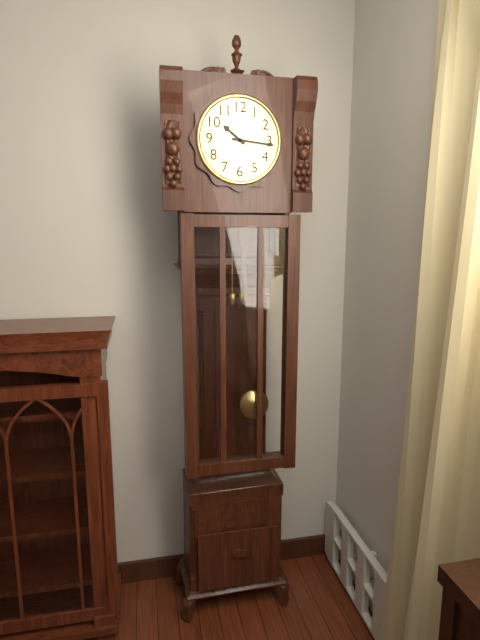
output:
10:16
